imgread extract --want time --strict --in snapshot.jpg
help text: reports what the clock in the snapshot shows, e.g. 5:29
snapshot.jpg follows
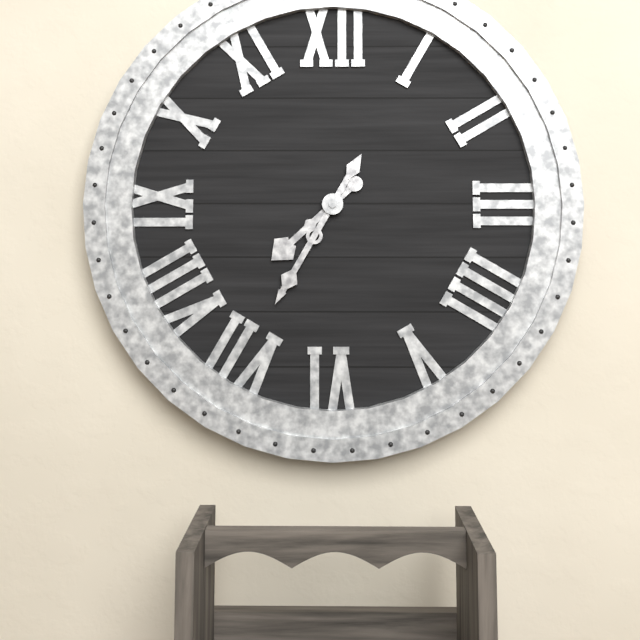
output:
7:35
